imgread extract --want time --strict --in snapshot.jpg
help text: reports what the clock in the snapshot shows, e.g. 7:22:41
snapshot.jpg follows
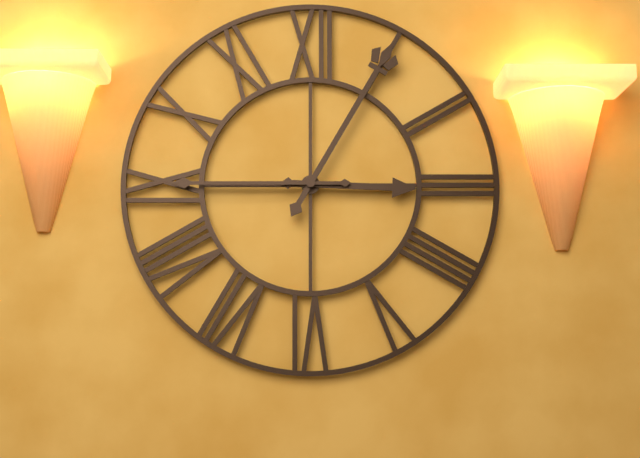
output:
3:05:45
